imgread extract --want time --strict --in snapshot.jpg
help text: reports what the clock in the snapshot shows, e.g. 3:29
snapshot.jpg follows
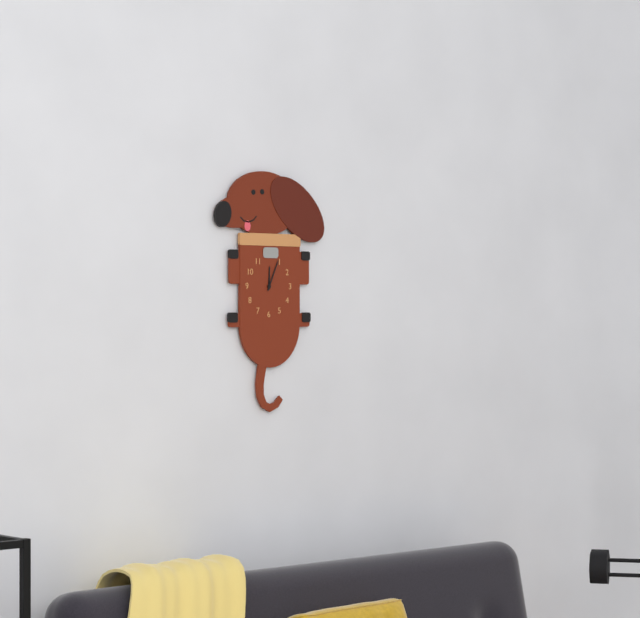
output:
12:04
